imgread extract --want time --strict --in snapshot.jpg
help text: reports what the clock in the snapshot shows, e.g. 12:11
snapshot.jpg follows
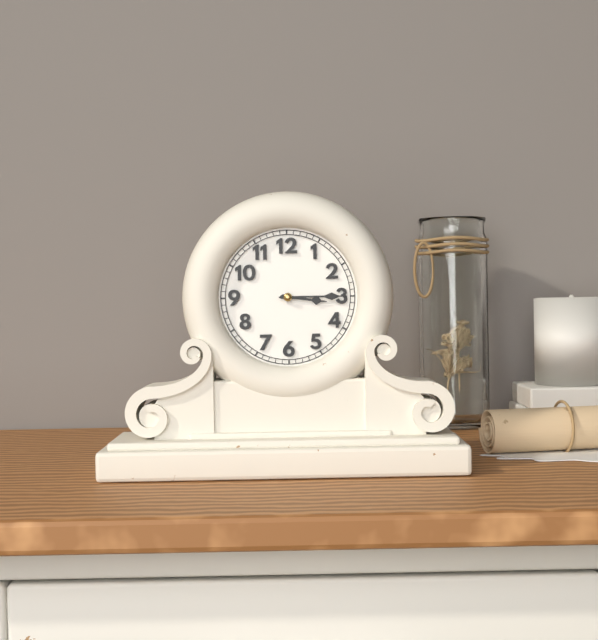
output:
3:15
